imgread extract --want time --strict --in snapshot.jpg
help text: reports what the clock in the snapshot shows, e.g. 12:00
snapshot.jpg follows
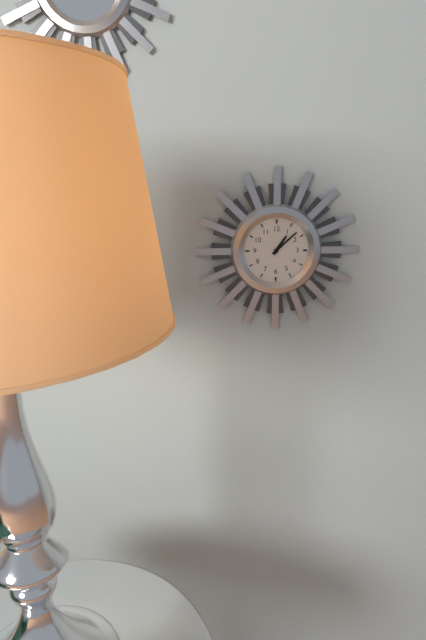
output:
1:08
